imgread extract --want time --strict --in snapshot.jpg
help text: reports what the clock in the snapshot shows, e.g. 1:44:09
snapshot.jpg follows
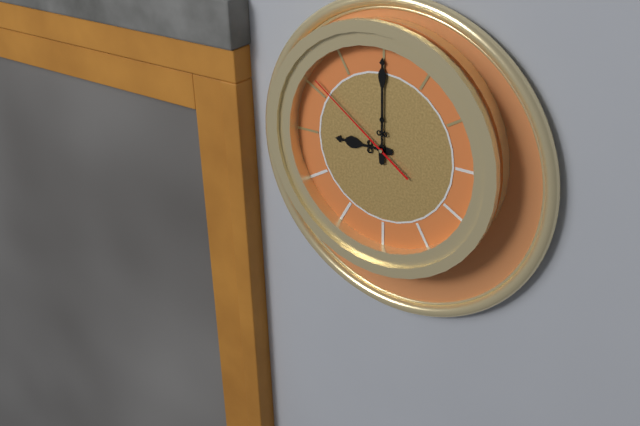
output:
9:00:51
